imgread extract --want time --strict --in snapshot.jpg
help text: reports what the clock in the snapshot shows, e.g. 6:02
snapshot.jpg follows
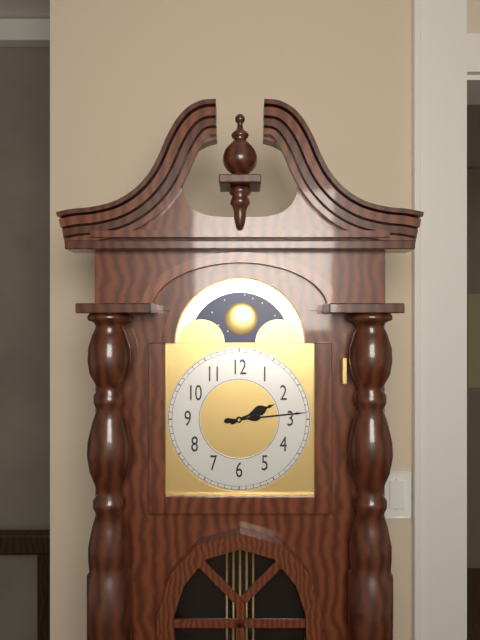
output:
2:14
